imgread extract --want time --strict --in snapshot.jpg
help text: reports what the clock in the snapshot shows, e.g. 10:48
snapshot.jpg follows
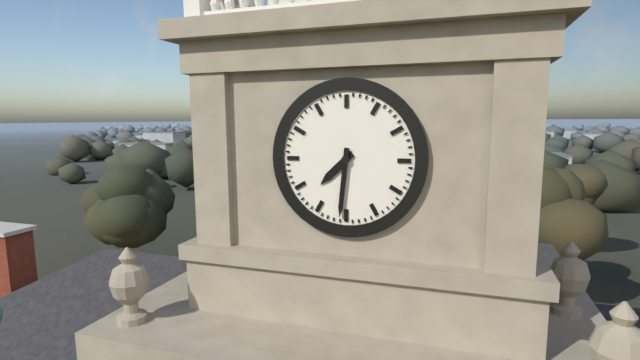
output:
7:31
